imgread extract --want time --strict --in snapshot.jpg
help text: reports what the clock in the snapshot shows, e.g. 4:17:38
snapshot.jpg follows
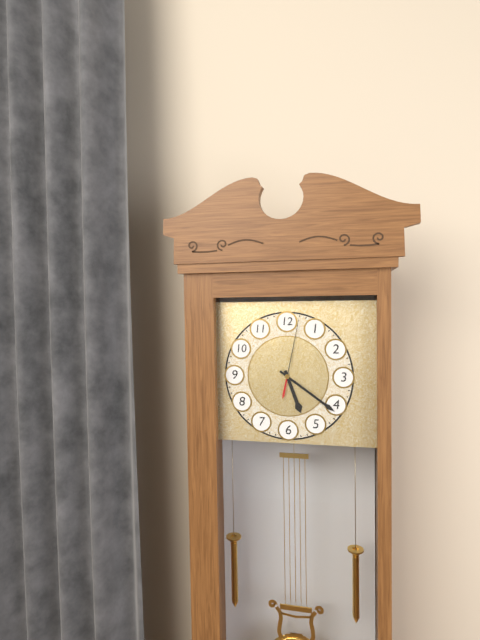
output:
5:21:02
